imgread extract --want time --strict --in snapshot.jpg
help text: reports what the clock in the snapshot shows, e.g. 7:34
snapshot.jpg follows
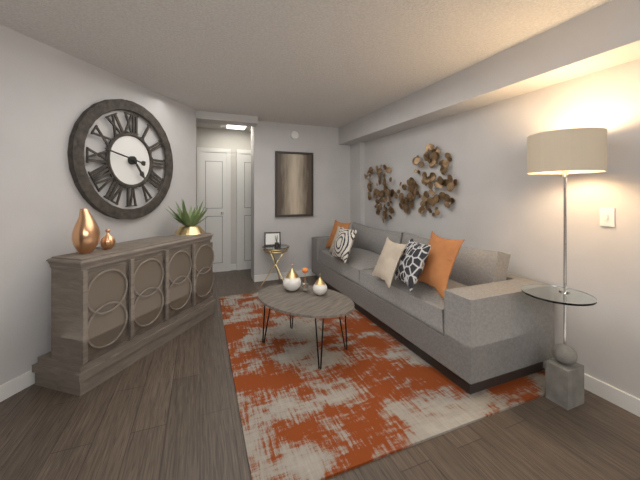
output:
4:47
